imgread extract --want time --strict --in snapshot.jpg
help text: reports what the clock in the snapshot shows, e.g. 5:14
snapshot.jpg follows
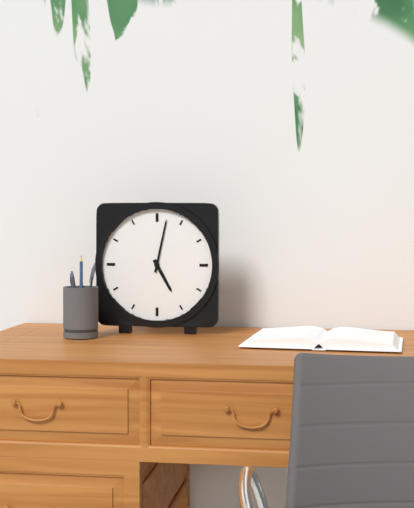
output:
5:02
